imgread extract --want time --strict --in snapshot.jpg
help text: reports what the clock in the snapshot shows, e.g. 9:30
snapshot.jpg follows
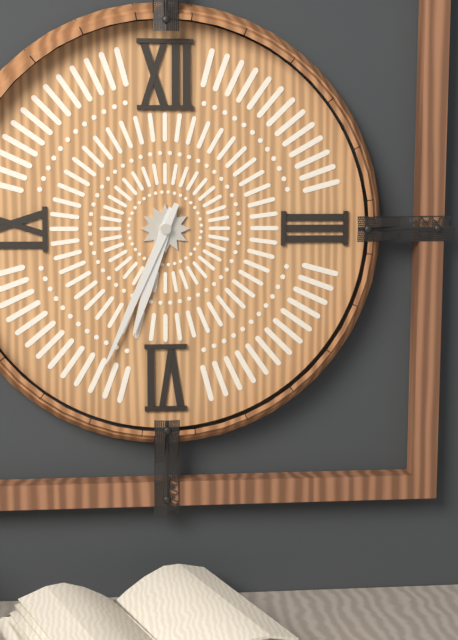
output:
6:34
